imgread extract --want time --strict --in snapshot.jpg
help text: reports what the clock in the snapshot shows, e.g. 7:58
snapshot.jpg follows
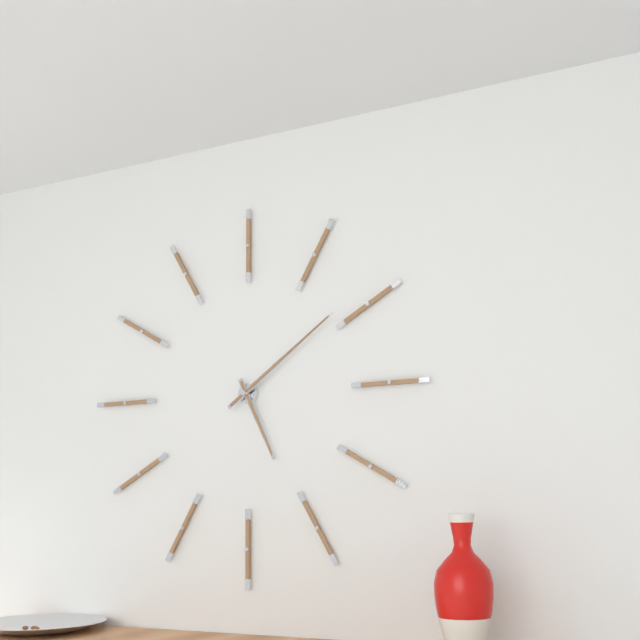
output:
5:09
